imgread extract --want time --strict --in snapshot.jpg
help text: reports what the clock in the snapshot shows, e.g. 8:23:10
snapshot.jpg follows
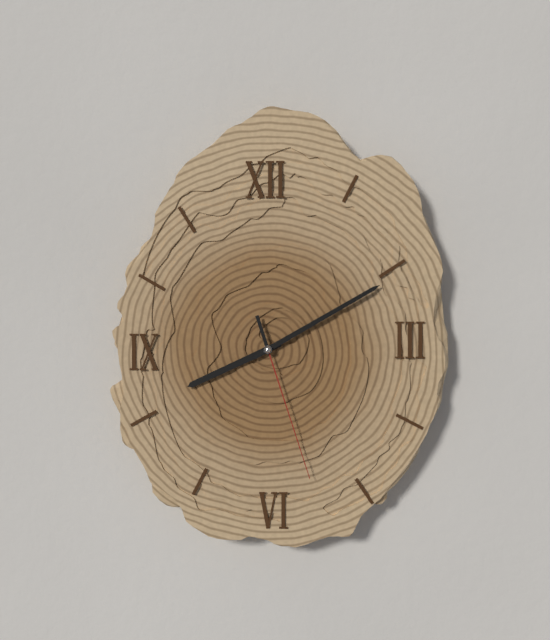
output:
8:10:27
